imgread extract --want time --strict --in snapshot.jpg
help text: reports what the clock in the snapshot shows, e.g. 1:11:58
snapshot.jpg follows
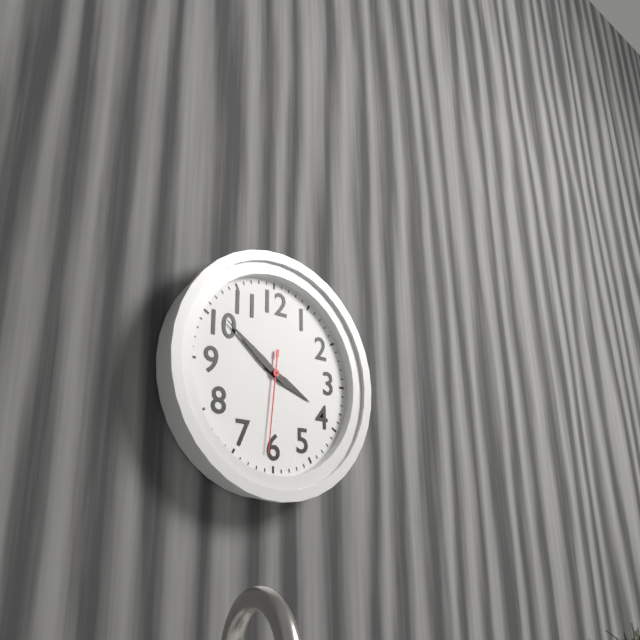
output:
3:51:31
